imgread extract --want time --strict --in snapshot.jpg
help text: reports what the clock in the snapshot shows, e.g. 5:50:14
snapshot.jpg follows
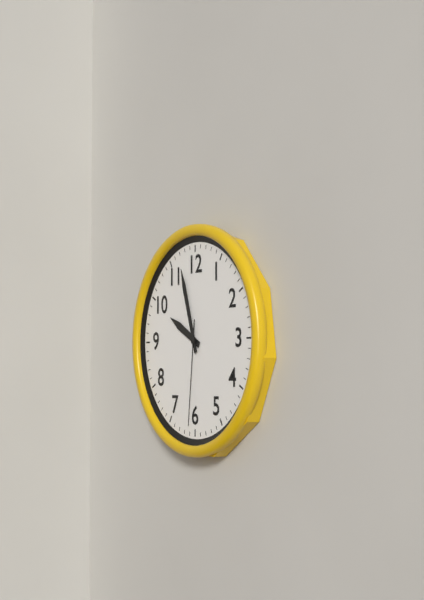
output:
9:57:31
